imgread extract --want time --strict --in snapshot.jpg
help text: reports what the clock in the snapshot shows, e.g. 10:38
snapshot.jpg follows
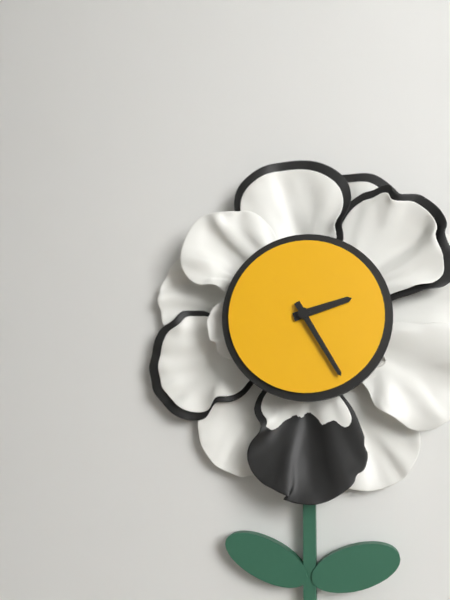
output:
2:25
